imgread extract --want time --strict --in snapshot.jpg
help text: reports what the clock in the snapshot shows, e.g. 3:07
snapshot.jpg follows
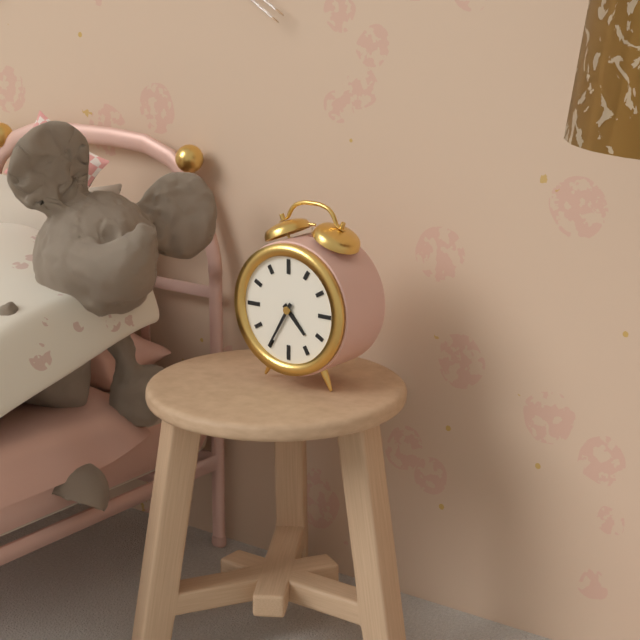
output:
4:35
